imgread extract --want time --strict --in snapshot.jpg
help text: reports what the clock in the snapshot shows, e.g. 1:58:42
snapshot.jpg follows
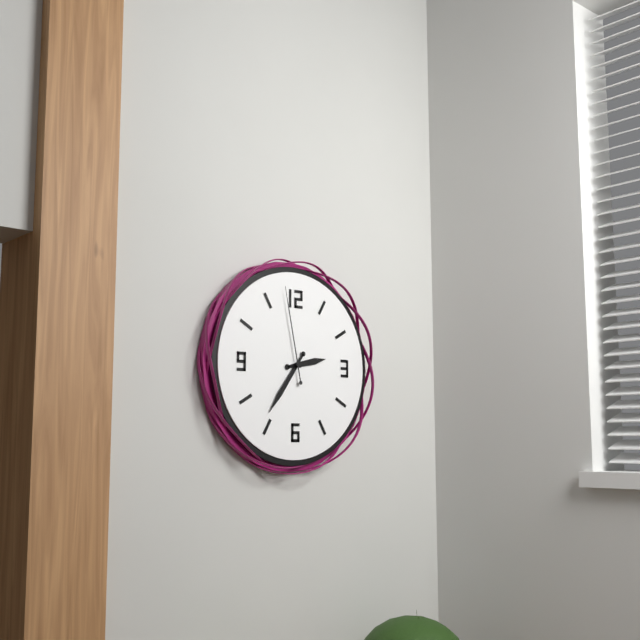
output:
2:36:58
